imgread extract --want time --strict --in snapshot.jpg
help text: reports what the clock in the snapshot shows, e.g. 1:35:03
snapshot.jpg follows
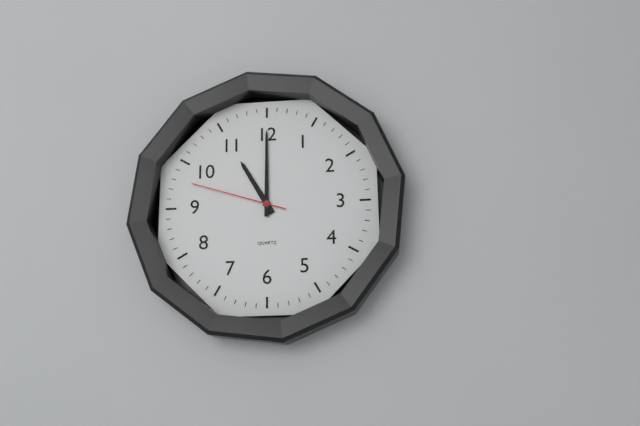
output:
11:00:48
